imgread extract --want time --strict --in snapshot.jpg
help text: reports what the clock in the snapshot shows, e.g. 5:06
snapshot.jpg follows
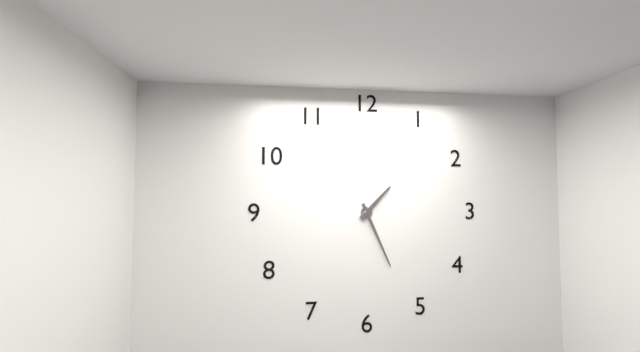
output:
1:26
